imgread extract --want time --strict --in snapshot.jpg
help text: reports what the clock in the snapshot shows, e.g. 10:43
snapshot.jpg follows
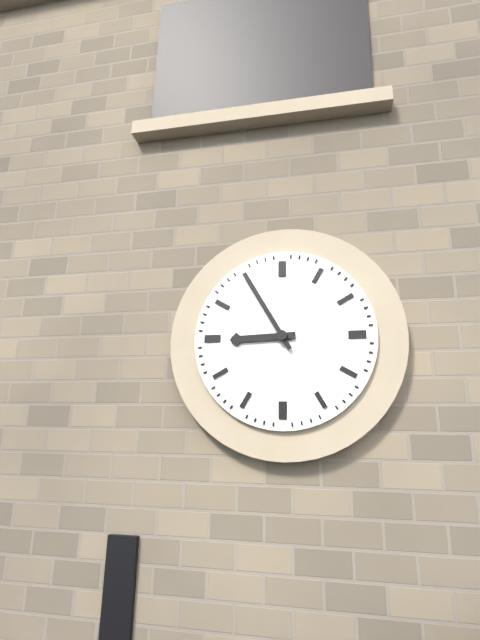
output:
8:55
